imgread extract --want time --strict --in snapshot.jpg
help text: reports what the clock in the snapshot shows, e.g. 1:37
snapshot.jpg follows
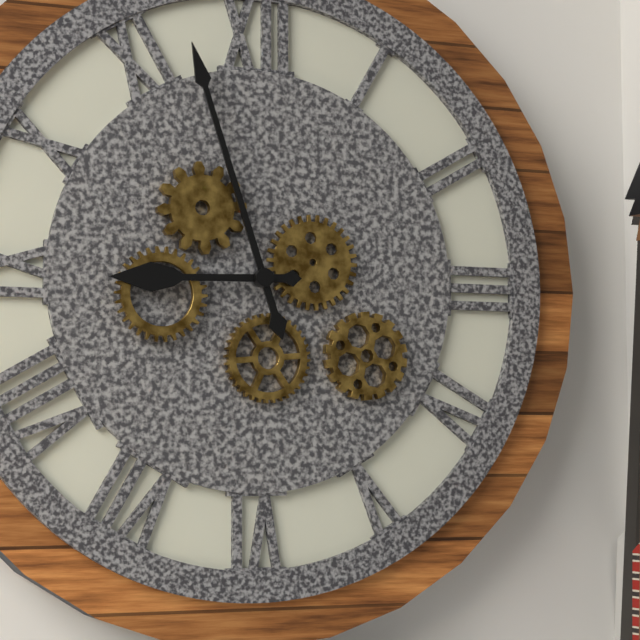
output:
8:57
